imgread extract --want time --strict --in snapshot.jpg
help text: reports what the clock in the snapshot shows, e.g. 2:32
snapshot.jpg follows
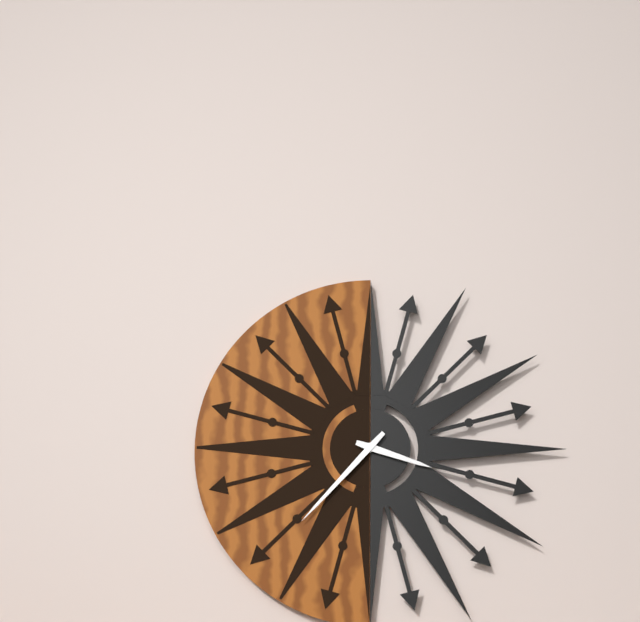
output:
3:37
